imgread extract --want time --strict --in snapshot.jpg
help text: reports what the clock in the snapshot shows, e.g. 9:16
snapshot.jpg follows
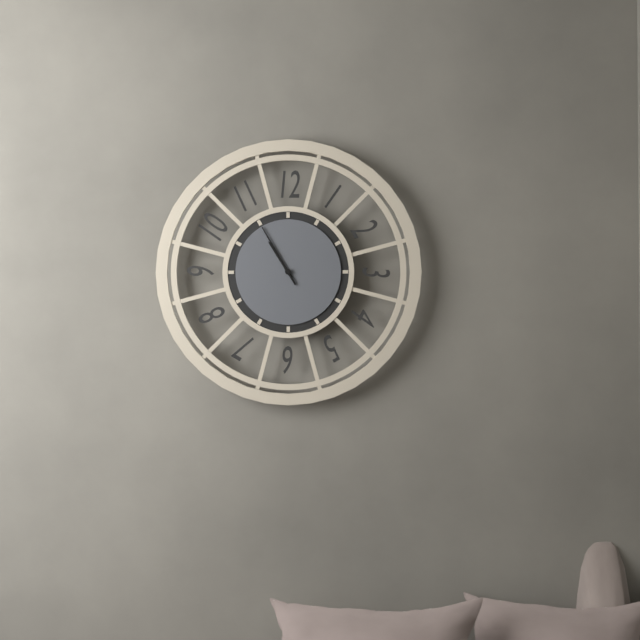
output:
10:55
